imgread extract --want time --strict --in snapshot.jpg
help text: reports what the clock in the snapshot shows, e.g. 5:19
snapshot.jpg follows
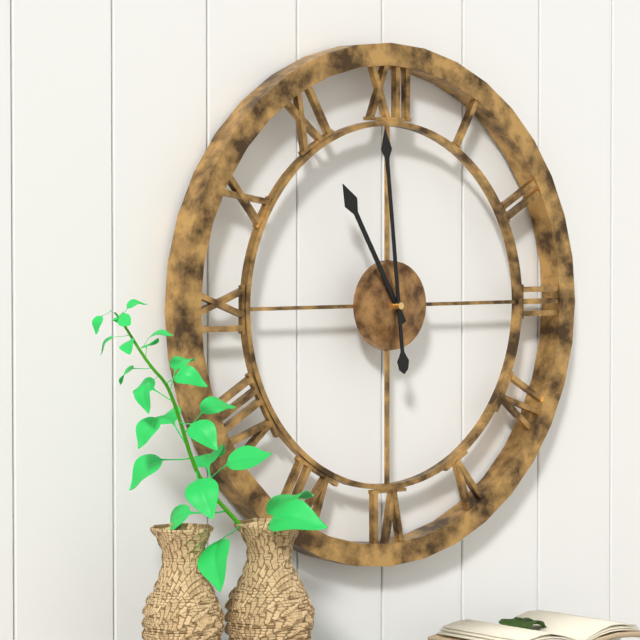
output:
10:59
